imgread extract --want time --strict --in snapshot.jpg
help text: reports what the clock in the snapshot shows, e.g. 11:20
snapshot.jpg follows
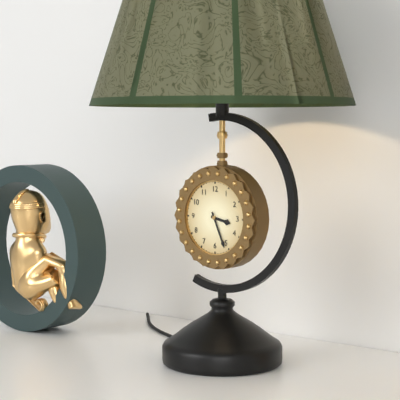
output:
3:26
